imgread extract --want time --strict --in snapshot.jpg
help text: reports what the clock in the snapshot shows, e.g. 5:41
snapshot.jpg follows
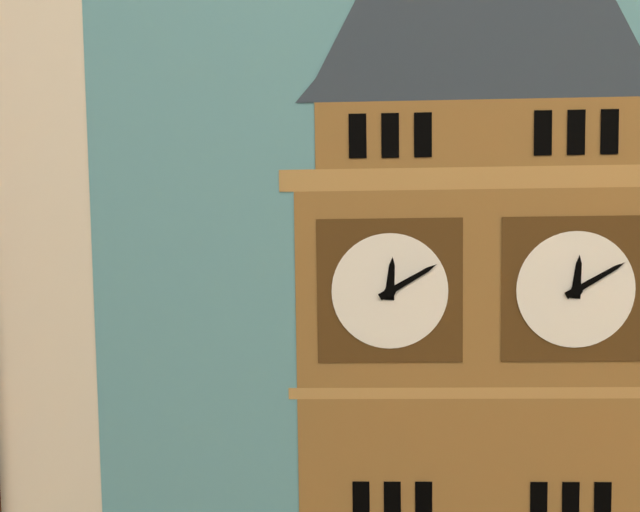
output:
12:10
